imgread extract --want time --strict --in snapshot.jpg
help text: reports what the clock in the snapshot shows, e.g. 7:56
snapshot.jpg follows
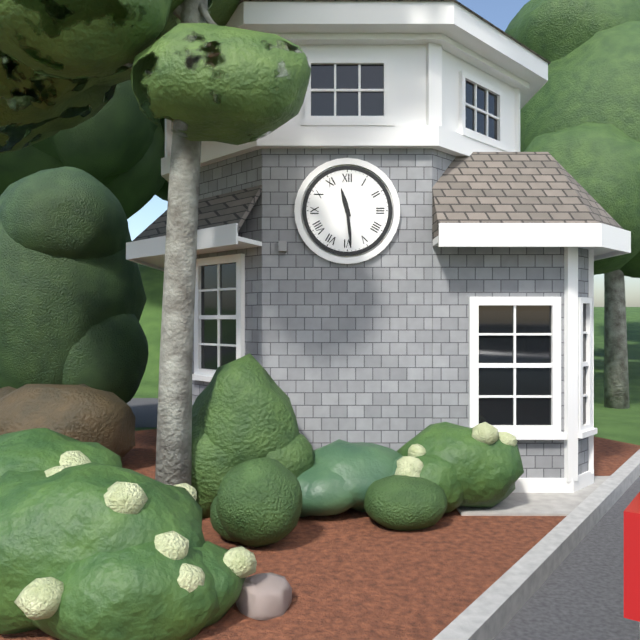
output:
11:29
